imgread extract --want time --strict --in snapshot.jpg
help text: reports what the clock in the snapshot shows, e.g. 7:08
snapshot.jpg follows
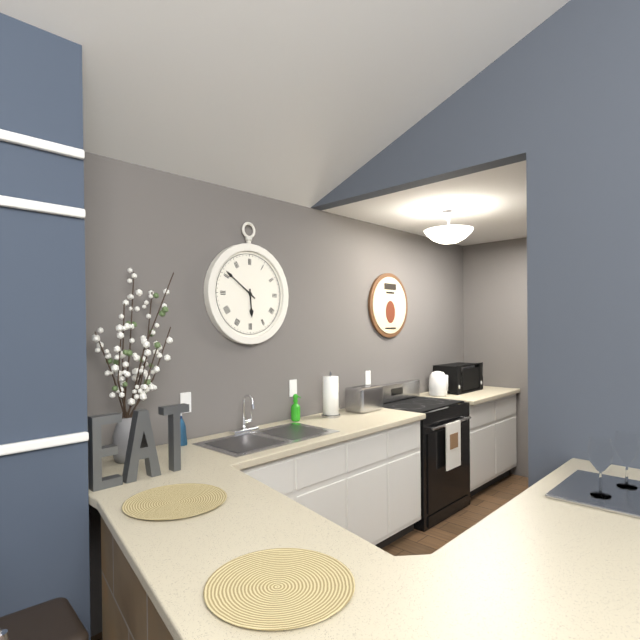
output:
5:51
